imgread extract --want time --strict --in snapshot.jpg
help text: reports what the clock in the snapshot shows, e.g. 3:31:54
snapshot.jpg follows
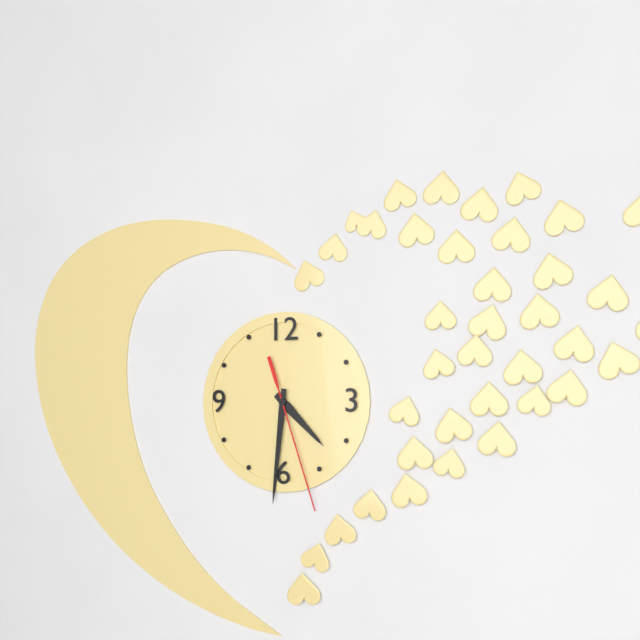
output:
4:31:27
